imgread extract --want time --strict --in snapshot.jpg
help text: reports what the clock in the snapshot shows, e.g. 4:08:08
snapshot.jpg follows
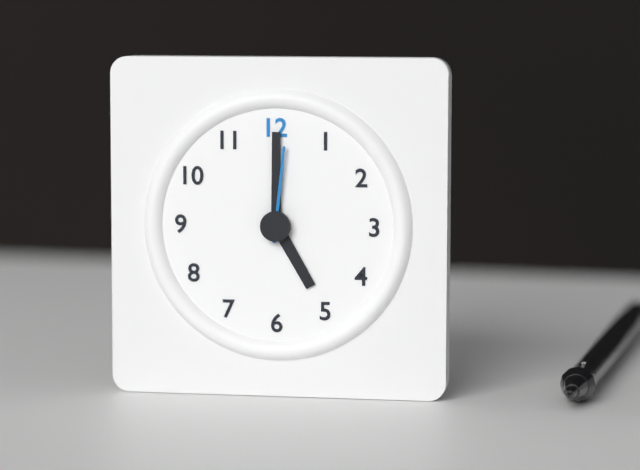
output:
5:00:01
